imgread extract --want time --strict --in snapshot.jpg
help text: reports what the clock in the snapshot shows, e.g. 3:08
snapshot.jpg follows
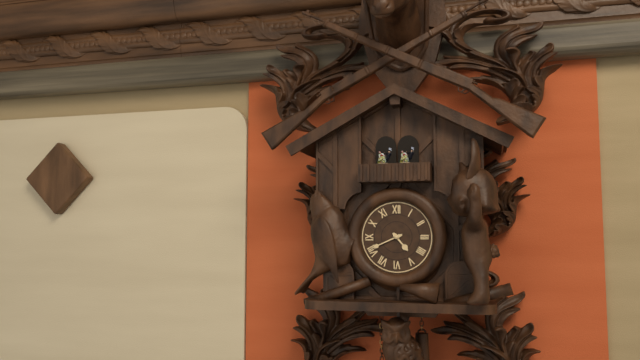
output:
4:41
